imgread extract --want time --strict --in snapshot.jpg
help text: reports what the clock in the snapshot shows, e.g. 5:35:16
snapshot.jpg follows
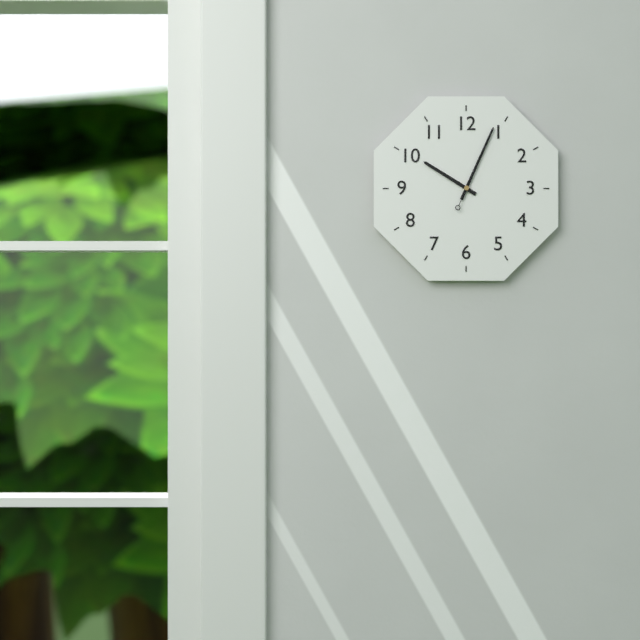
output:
10:04:04
